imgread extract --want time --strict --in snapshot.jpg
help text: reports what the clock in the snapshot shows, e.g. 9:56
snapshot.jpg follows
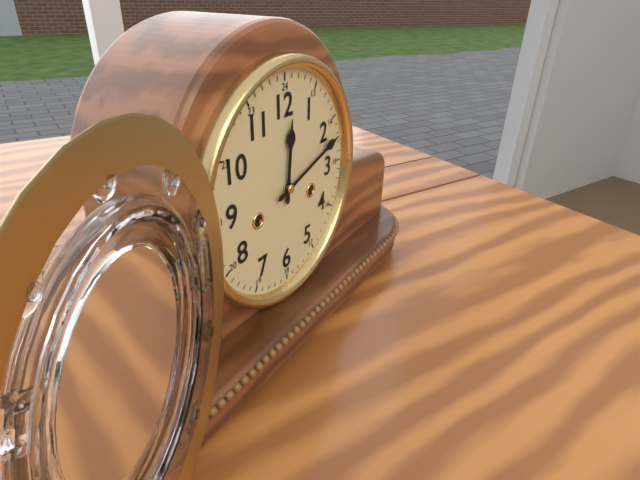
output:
12:12
